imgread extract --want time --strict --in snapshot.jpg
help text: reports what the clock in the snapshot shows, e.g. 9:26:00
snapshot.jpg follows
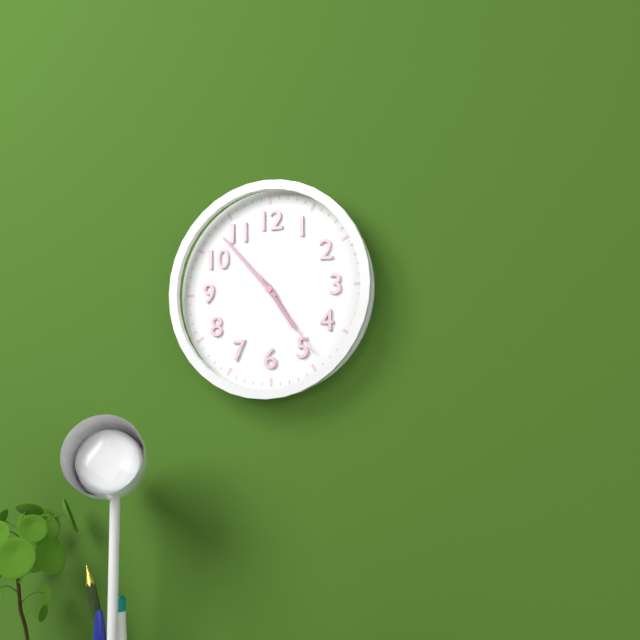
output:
4:53:24
